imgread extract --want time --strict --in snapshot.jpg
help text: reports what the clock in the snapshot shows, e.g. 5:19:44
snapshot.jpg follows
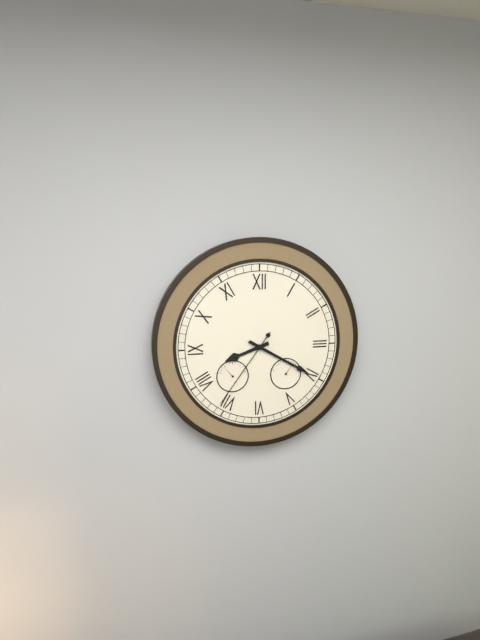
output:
8:20:36
